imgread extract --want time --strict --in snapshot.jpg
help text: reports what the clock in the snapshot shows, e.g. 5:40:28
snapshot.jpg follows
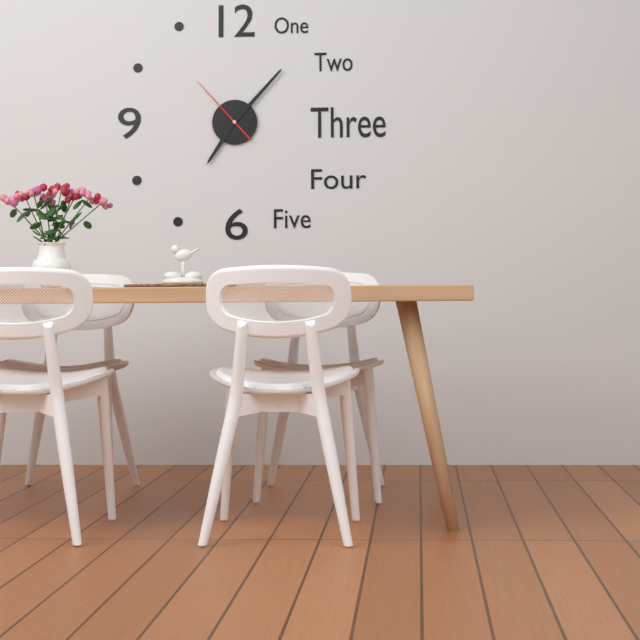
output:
7:07:53
